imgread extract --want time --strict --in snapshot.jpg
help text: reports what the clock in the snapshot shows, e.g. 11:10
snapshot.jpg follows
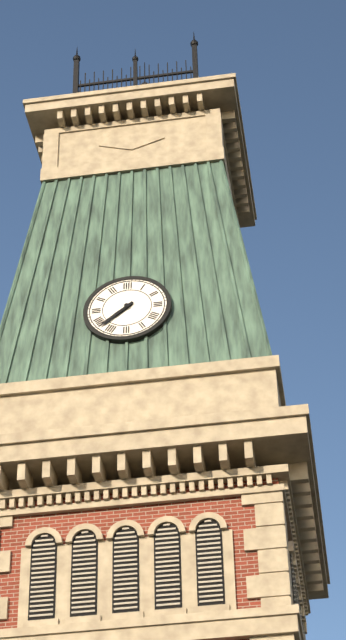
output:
7:38
